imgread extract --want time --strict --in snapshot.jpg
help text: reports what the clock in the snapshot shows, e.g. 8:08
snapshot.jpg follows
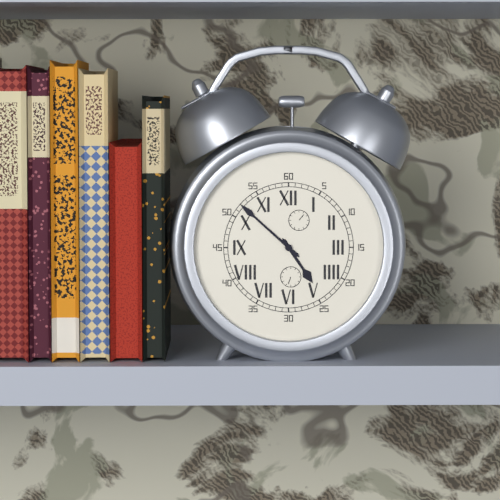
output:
4:52
